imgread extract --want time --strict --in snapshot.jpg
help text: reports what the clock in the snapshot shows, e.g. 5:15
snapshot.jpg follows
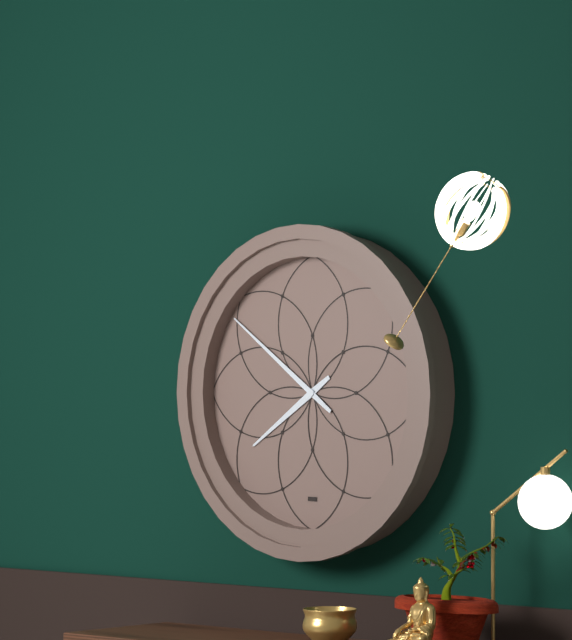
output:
7:51
